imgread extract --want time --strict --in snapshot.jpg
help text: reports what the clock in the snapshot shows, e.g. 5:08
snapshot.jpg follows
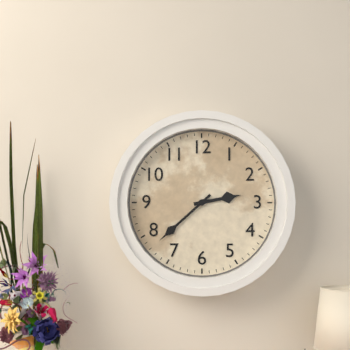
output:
2:38
